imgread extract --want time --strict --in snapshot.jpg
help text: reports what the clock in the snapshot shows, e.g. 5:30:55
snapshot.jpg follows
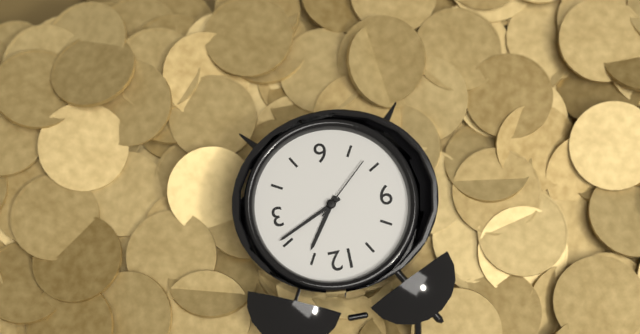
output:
1:11:38
